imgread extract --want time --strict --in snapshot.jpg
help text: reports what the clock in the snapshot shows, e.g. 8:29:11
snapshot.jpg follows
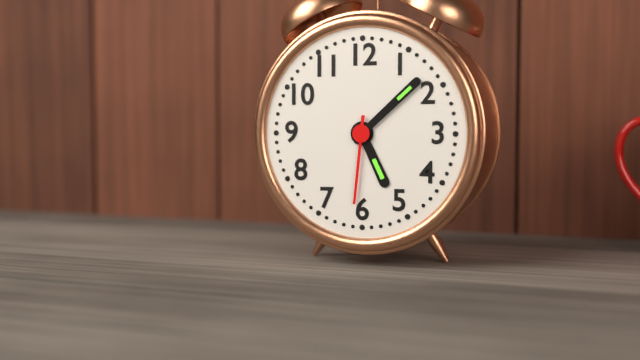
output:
5:08:31
